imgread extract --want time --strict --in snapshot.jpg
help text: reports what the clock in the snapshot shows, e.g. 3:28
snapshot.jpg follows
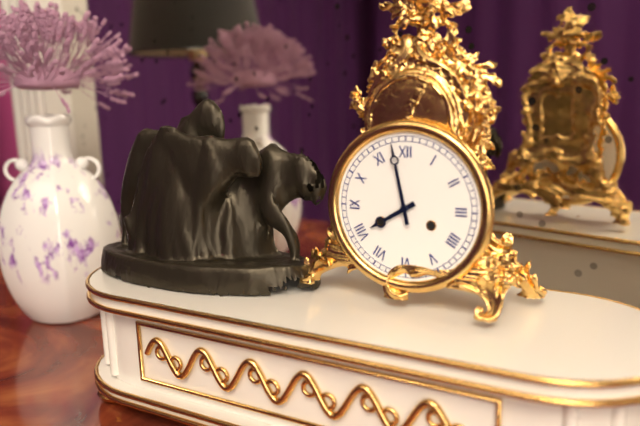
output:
7:58
